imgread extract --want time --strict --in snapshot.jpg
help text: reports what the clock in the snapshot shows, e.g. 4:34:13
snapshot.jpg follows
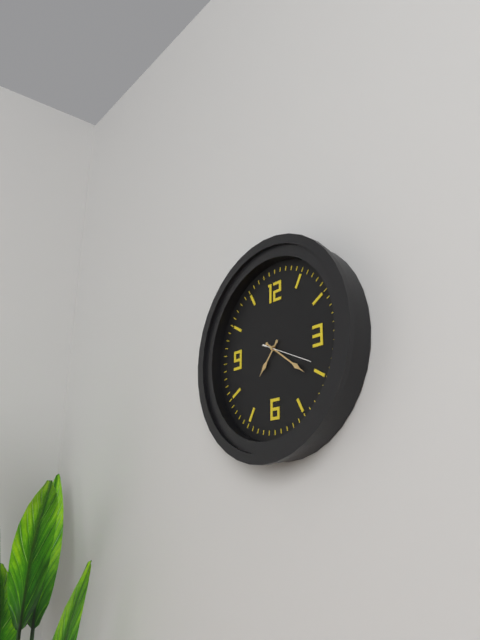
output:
7:21:19
